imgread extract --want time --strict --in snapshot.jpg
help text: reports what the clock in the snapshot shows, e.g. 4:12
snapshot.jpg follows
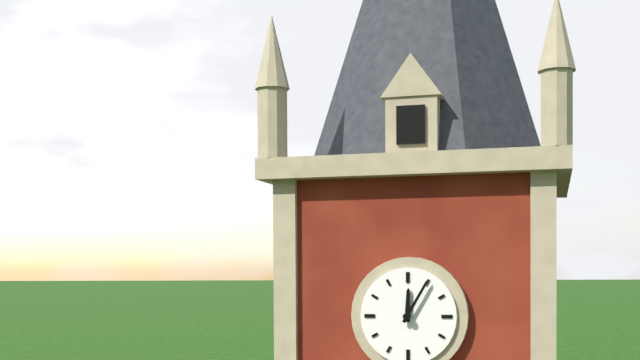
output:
12:05
